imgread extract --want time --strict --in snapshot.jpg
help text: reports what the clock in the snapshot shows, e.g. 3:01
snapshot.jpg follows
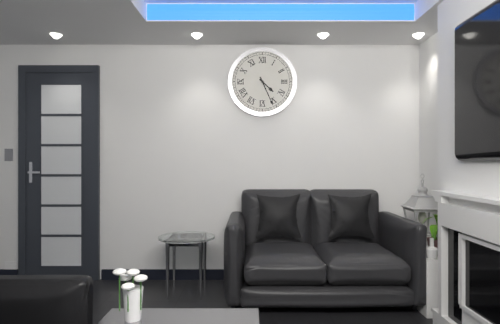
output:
4:26
